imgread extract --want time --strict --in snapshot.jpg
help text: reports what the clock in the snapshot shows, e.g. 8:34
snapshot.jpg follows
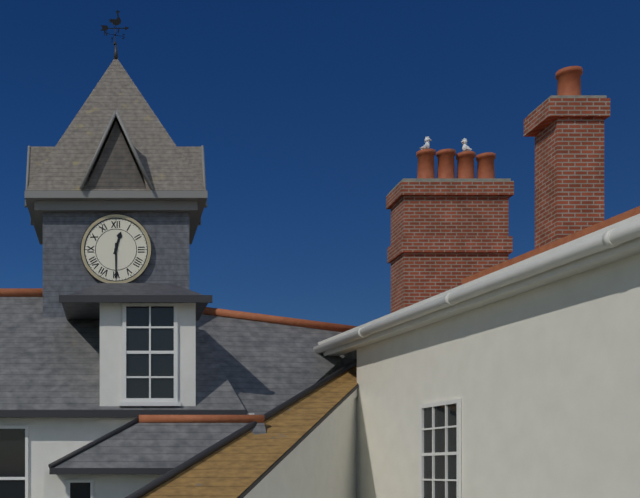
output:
12:30
